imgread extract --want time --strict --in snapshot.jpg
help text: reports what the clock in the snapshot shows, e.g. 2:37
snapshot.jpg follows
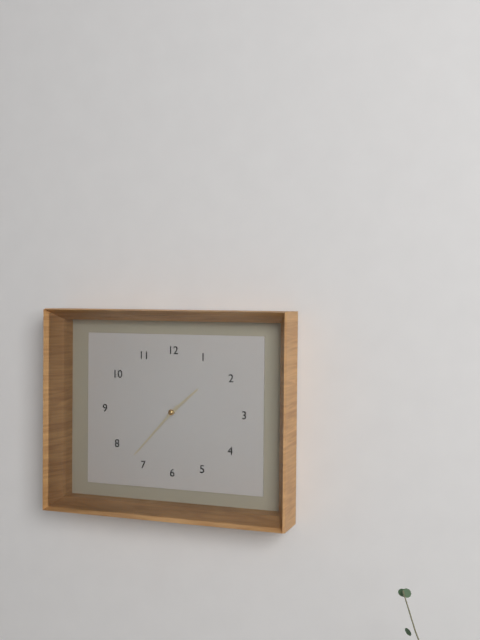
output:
1:37
